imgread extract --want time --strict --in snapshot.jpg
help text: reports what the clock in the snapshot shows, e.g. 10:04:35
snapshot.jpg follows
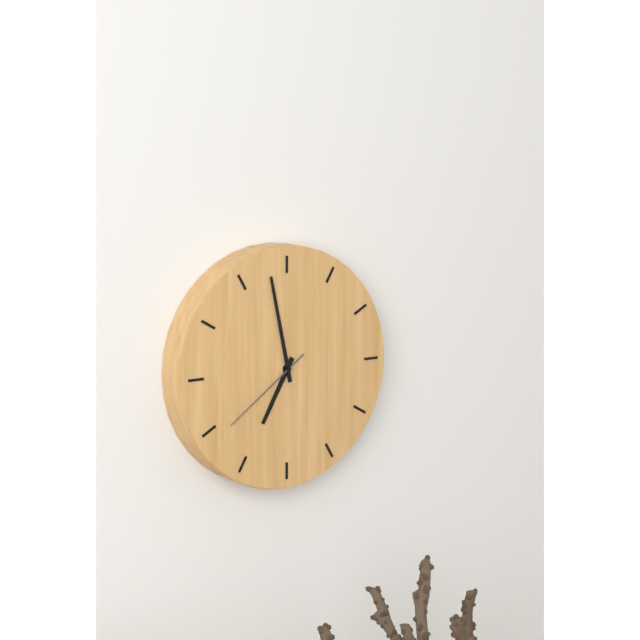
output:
6:58:39
